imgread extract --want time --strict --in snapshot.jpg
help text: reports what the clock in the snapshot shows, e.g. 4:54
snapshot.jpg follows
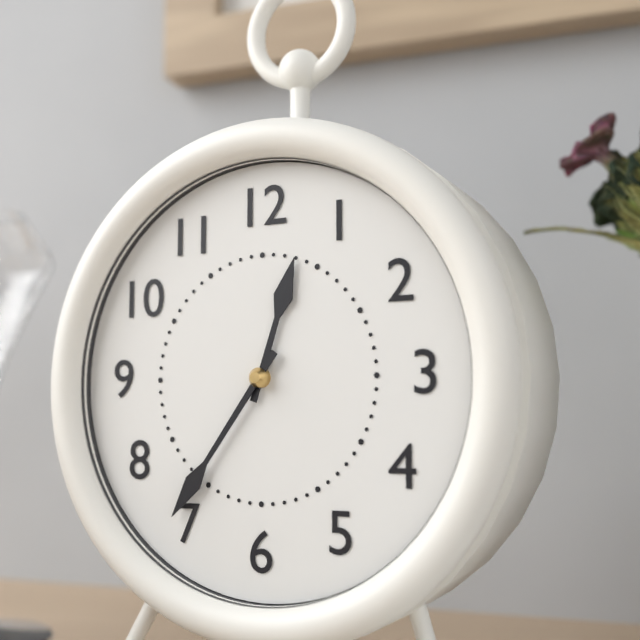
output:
12:36
